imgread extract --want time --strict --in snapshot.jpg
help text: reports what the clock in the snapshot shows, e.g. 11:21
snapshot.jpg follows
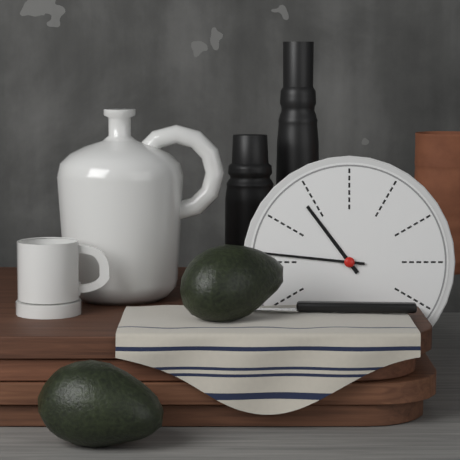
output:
10:46
